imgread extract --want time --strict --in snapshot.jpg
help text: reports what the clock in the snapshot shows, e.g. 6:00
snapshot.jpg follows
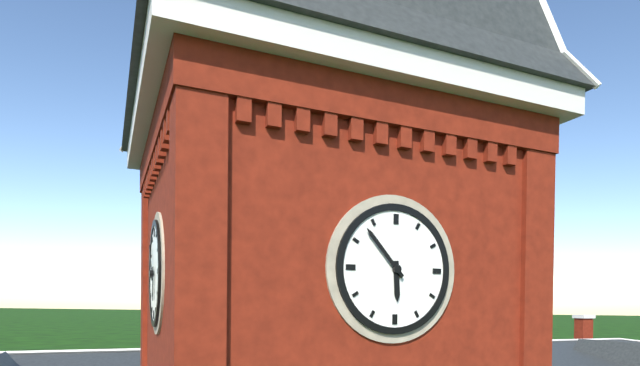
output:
5:53
